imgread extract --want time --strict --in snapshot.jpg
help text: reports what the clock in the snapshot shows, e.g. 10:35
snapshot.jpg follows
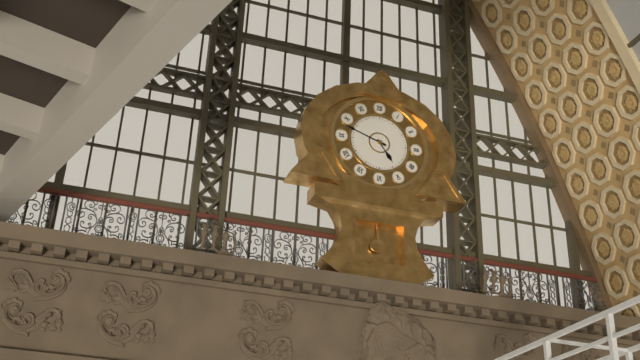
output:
4:48
